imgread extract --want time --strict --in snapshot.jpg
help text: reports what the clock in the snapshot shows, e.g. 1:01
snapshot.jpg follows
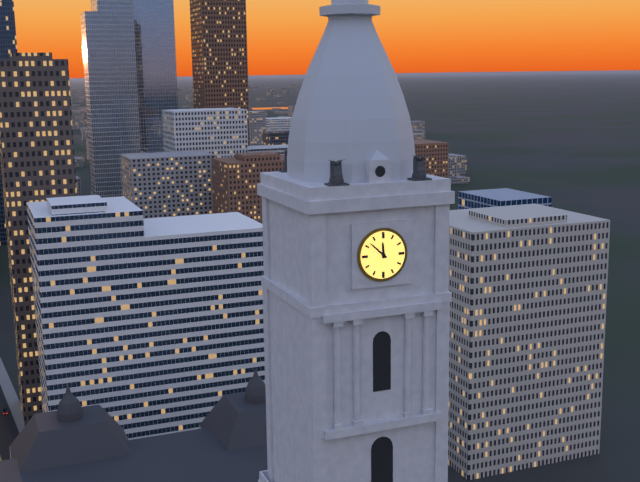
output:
11:52
